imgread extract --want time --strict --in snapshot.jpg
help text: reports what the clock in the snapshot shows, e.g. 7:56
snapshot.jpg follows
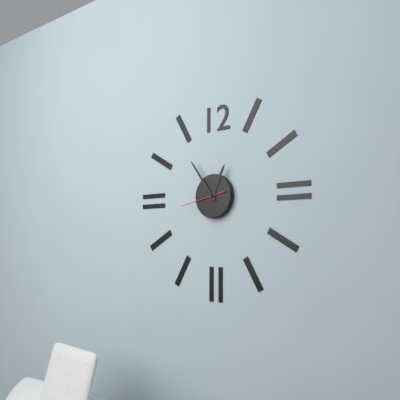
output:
12:54
